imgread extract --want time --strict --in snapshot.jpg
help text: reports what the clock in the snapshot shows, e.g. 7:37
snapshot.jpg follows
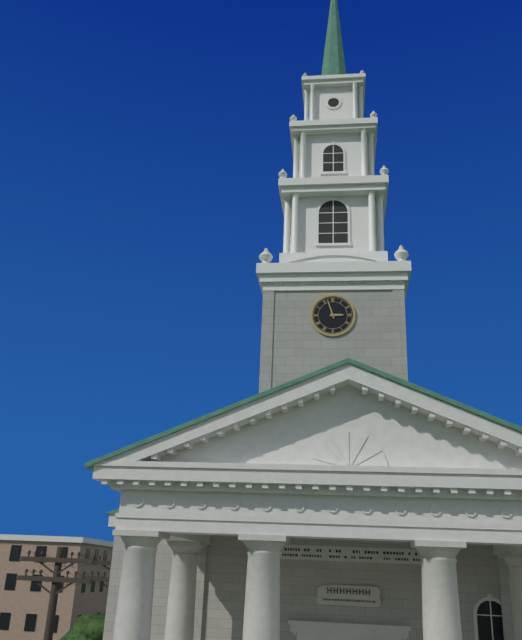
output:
2:57
